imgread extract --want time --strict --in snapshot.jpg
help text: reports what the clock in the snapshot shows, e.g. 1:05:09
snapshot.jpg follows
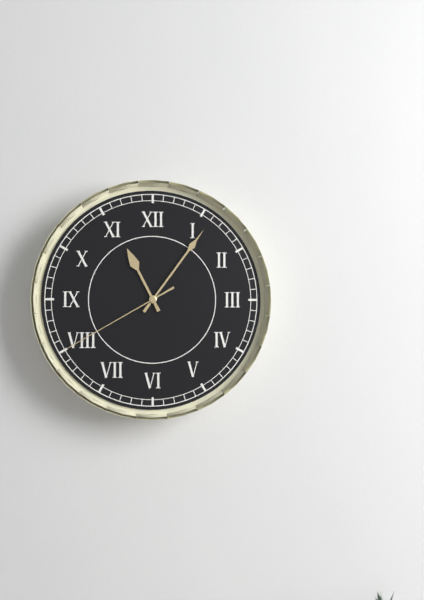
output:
11:06:40
